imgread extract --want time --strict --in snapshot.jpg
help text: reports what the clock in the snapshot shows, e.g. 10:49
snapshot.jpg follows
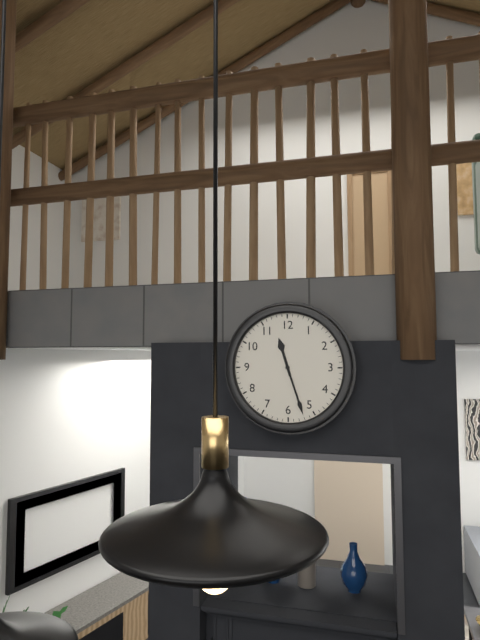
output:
11:27
